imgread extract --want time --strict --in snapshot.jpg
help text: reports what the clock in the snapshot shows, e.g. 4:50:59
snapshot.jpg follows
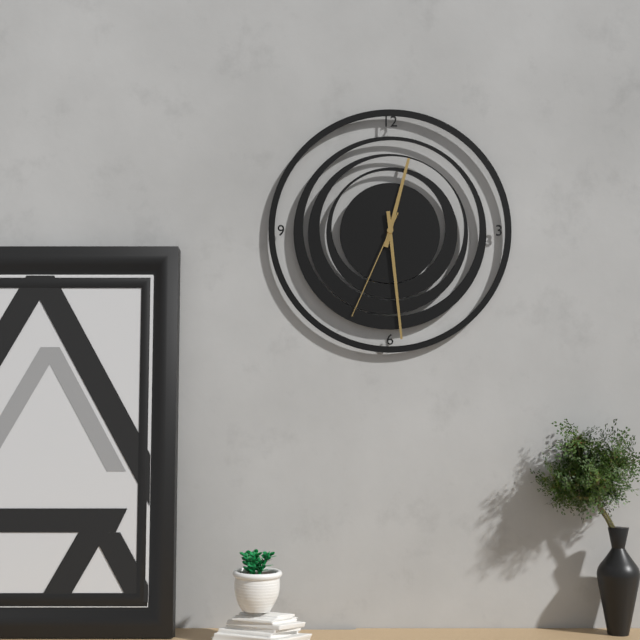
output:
12:29:34
